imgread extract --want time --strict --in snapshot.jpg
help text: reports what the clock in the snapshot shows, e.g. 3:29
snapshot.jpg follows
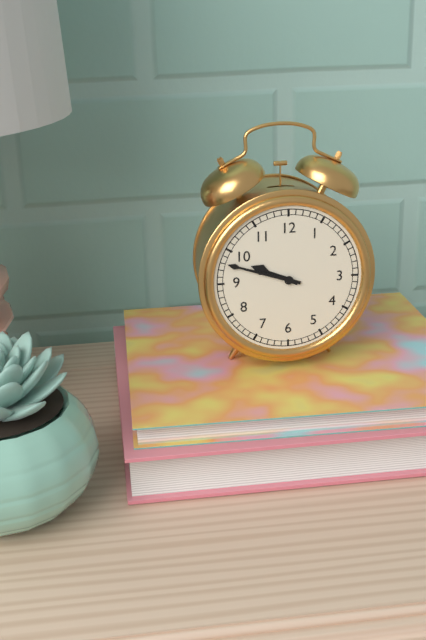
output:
9:48
